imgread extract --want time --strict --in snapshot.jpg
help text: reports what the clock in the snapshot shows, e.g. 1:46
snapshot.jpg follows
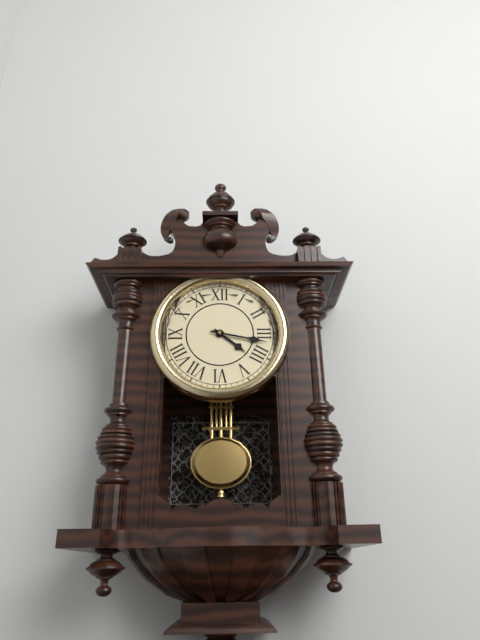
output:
4:17
